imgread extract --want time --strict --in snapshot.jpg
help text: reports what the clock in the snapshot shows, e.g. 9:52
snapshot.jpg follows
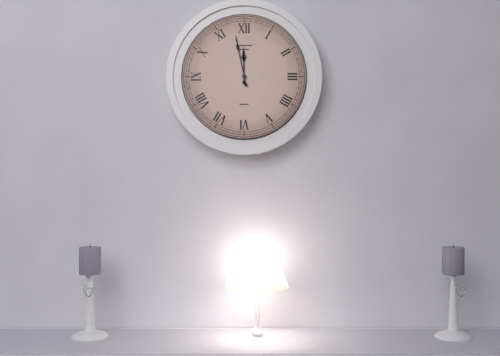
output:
11:58
